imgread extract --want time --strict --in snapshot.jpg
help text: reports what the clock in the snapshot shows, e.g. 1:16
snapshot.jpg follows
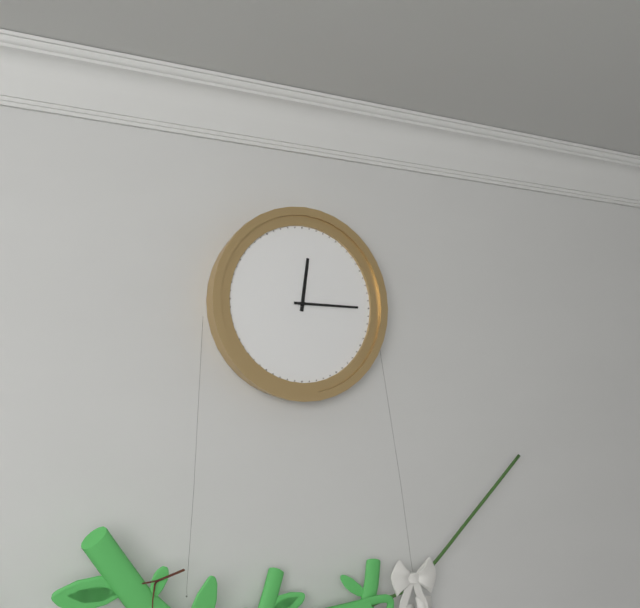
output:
12:15
